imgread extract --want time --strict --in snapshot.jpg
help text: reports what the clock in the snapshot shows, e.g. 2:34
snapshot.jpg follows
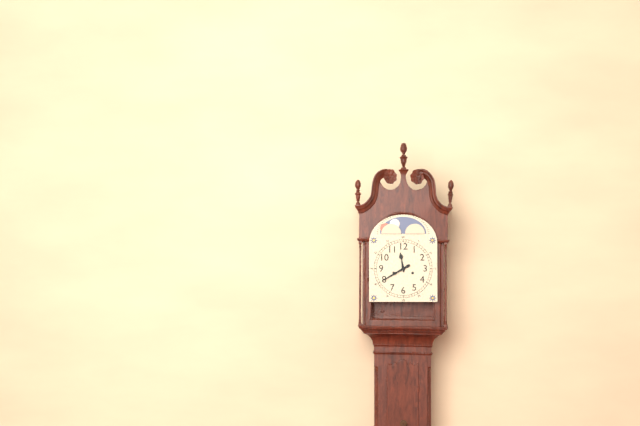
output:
11:40
